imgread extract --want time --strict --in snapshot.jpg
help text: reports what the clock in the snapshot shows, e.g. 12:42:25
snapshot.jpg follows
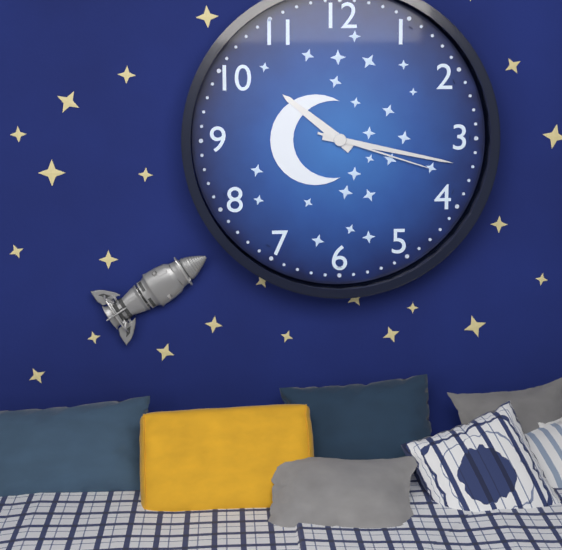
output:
10:17:18
